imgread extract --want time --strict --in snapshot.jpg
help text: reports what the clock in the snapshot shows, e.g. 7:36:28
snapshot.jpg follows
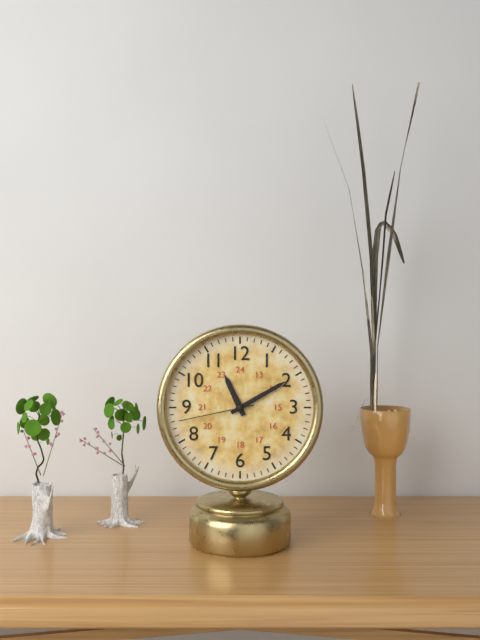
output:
11:10:43
